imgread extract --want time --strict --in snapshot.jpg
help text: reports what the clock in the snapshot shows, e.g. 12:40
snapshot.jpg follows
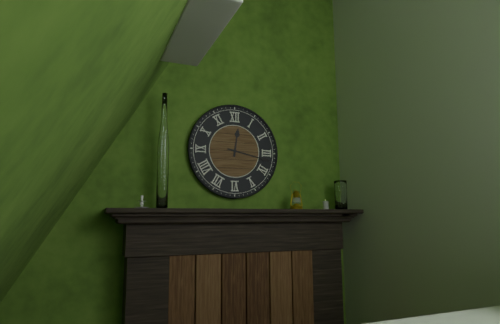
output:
12:17
